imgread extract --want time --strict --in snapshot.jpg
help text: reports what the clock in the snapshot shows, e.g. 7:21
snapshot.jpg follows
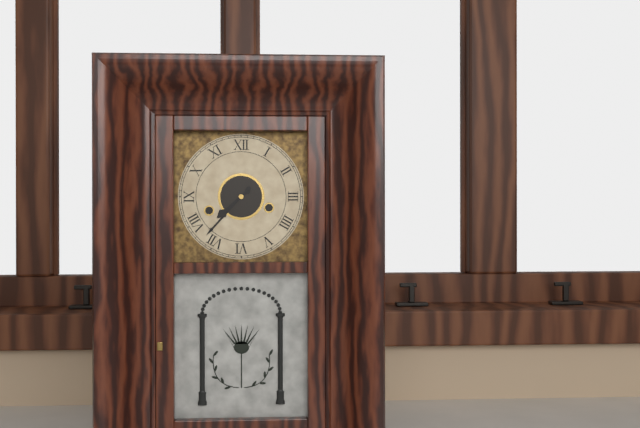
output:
7:37
